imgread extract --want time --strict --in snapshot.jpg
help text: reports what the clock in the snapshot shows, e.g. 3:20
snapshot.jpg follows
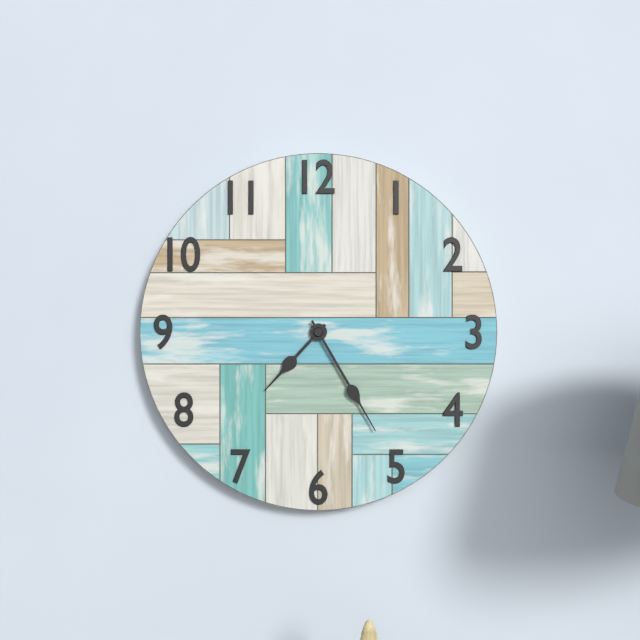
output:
7:25
